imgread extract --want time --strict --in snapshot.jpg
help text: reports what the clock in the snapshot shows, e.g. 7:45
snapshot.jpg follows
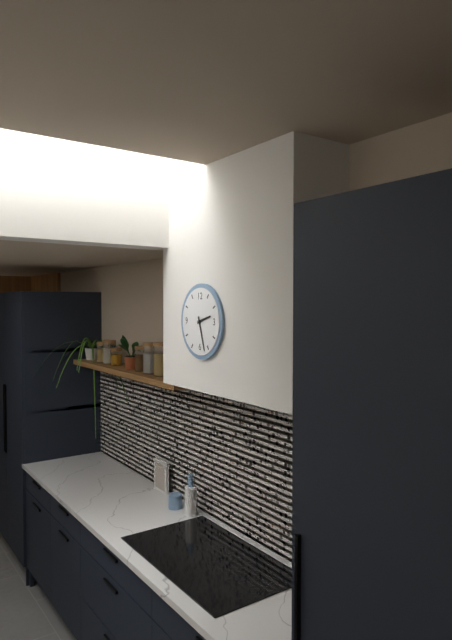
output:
2:27
